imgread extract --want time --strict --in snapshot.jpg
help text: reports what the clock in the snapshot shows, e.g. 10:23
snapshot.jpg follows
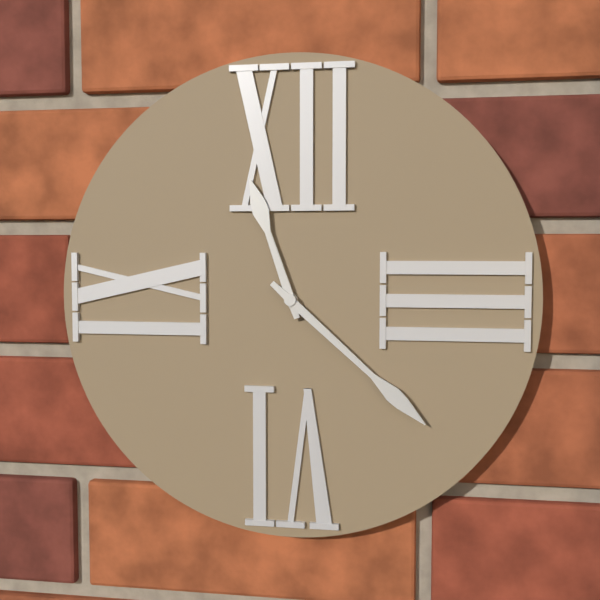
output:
11:22
